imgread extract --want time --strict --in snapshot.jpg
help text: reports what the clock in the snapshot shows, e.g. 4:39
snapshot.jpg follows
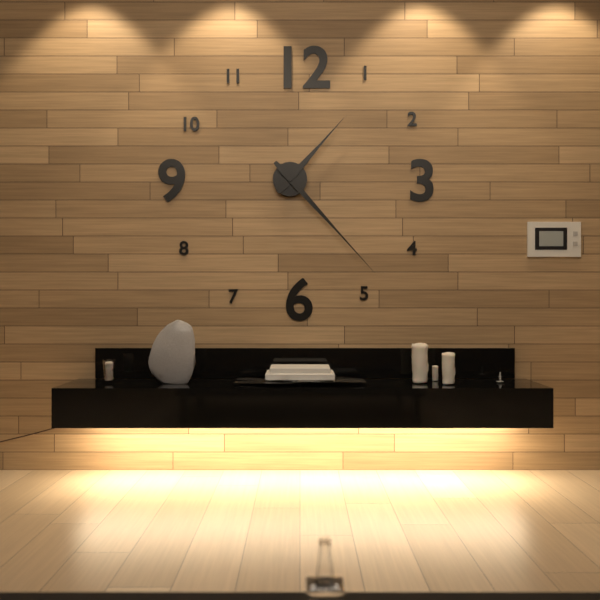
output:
1:23
